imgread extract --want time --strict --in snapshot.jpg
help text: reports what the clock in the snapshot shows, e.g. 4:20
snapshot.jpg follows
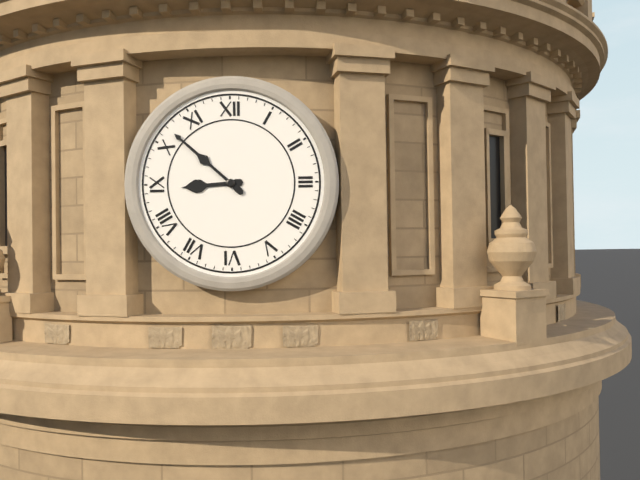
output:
8:52
